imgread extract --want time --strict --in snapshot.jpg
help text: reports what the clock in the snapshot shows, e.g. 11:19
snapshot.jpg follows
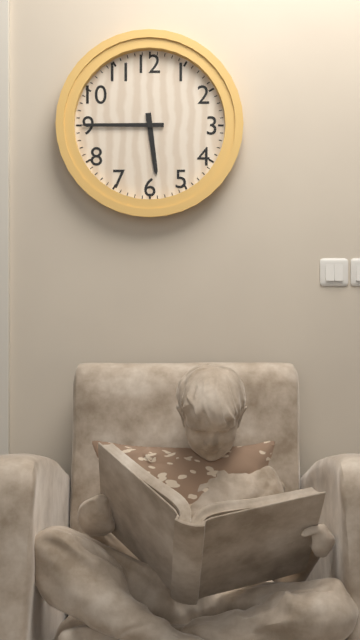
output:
5:45
